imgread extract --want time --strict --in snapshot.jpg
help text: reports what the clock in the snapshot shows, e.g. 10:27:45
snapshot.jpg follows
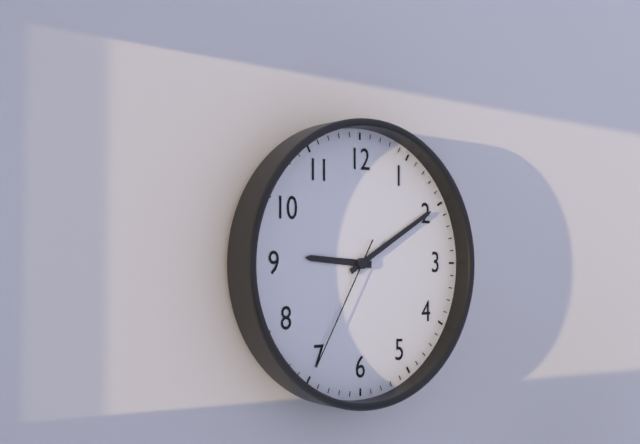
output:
9:10:35
